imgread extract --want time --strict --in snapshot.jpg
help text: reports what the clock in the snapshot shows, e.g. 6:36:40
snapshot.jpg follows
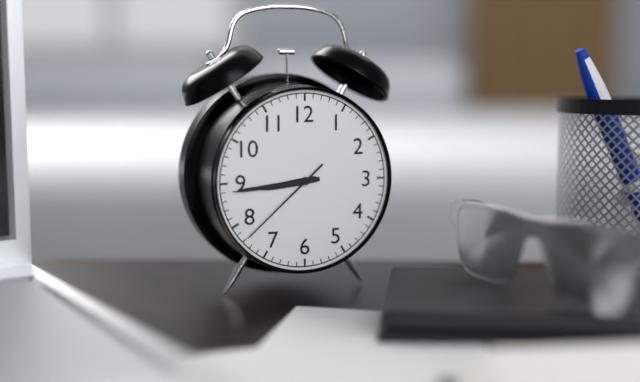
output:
8:44:38
